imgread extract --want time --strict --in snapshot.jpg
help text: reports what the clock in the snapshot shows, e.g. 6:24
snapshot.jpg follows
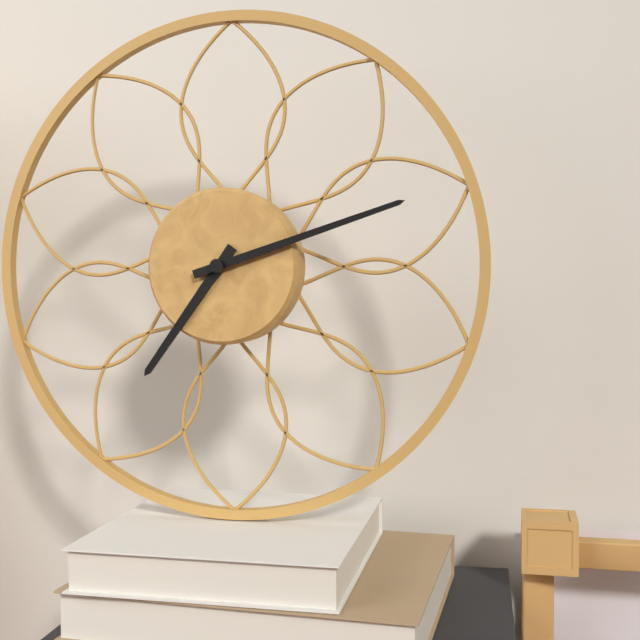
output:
7:12
